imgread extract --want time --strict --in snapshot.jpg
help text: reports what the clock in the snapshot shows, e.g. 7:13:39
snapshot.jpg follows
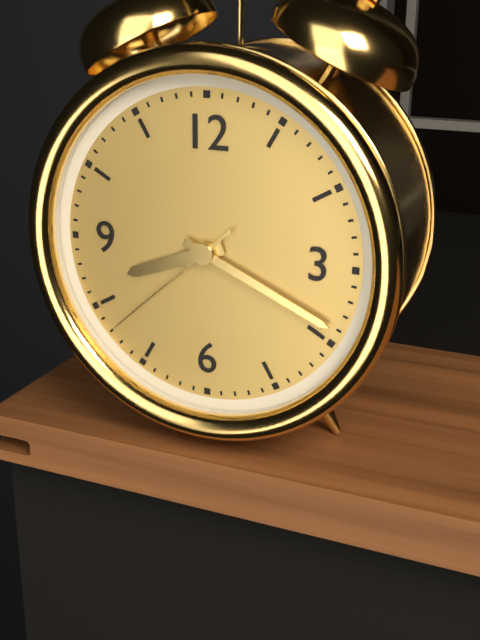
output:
8:19:38
